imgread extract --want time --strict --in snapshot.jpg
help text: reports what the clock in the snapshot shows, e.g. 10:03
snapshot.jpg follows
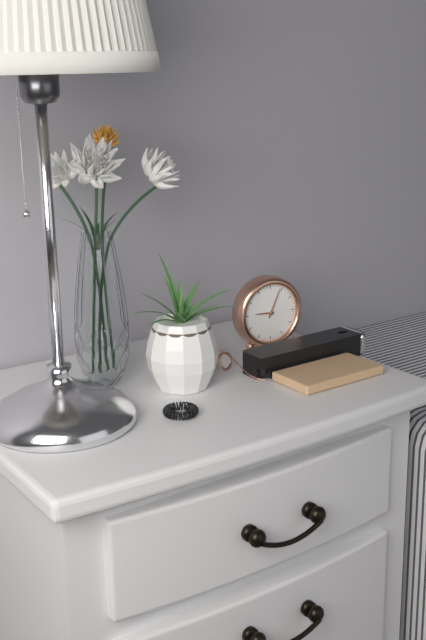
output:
9:04
